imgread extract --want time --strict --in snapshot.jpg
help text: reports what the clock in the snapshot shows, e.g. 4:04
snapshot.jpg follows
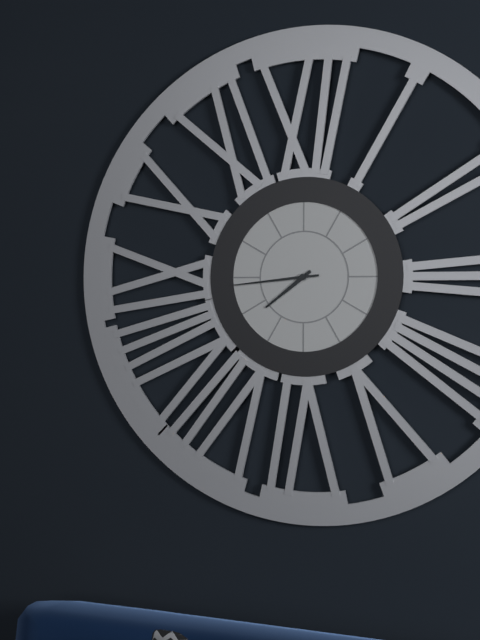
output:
7:44
